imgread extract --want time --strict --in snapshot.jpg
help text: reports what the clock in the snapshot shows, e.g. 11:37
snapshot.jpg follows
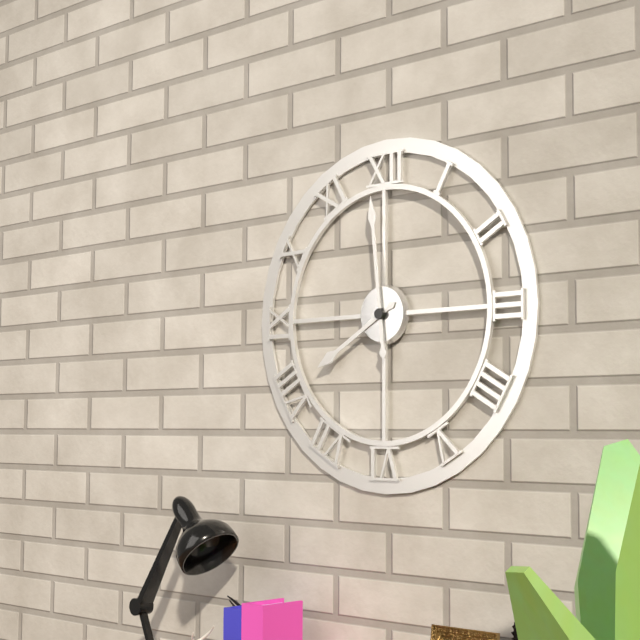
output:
7:59
